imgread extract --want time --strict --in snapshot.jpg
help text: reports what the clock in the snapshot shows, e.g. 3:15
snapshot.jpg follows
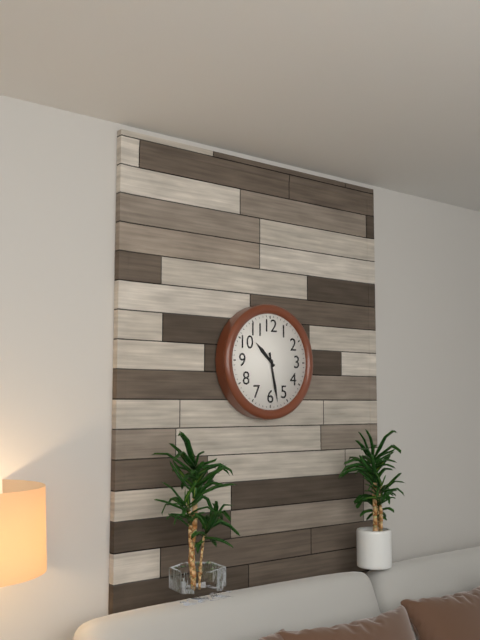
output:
10:28
